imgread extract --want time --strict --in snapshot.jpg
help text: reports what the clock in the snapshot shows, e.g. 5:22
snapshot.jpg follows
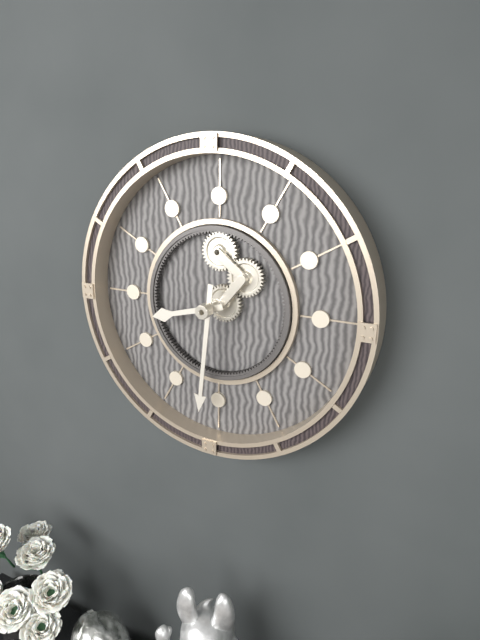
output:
8:31
